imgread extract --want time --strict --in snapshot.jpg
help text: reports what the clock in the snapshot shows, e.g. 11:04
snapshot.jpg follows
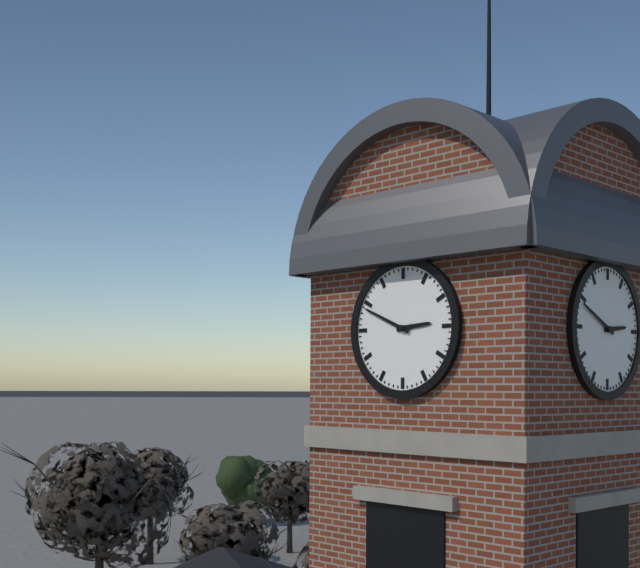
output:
2:49
